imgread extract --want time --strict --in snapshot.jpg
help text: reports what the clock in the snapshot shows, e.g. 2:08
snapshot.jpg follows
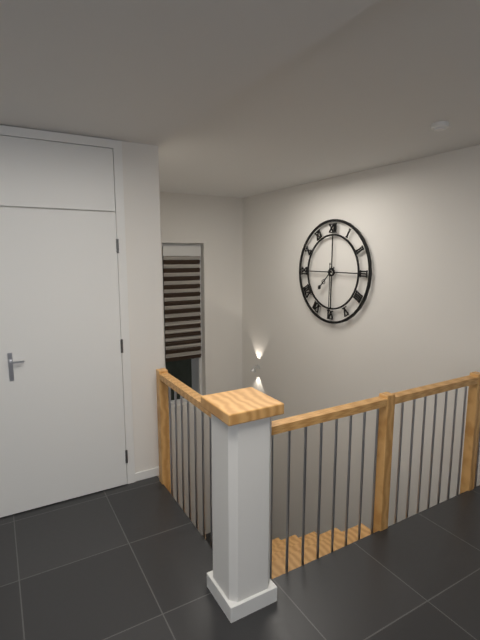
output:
7:30
